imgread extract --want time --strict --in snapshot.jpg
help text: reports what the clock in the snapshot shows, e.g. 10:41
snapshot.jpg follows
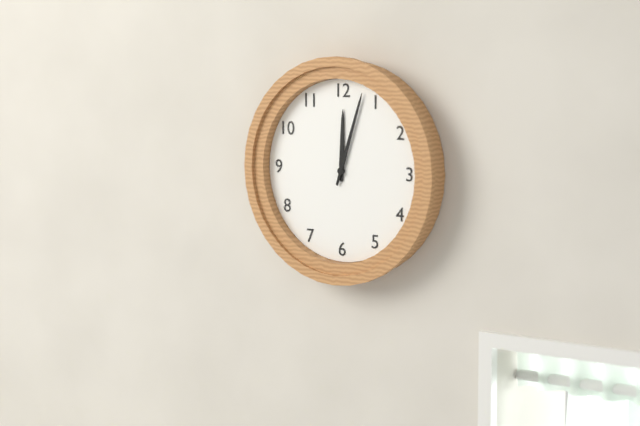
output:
12:03
